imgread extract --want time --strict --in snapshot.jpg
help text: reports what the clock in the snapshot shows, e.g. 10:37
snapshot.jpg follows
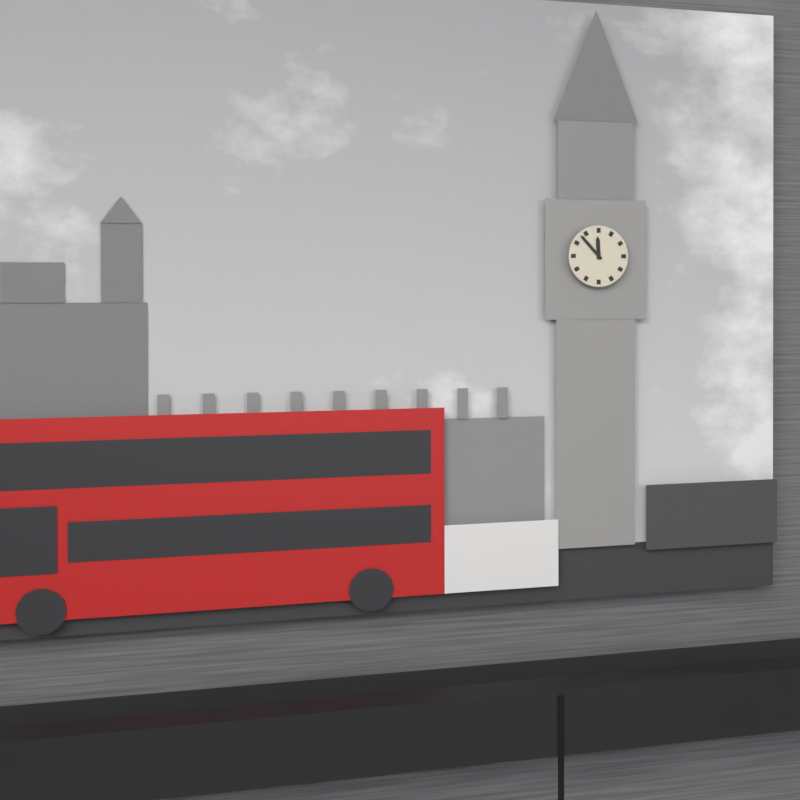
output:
11:53
